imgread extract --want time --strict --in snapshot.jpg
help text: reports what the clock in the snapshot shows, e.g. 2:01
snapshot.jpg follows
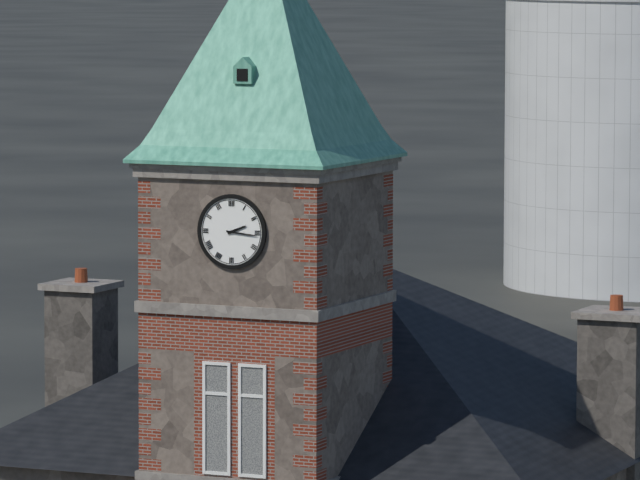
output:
2:16
